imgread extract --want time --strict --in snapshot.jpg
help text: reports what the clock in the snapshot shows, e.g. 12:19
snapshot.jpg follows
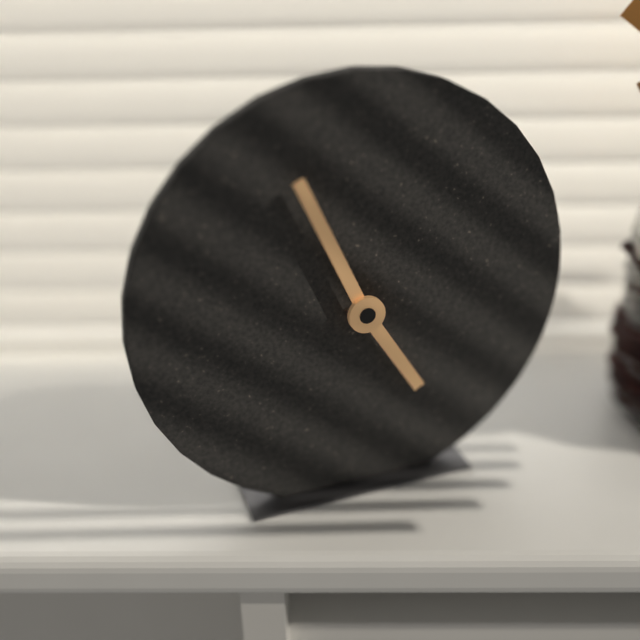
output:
4:56
